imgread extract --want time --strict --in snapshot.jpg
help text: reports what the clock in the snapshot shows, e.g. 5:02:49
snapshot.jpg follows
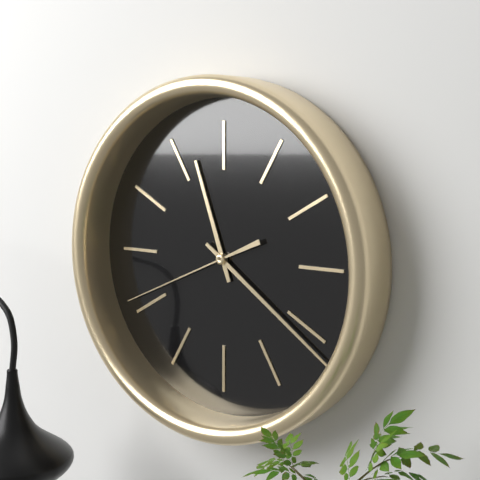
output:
11:21:41
